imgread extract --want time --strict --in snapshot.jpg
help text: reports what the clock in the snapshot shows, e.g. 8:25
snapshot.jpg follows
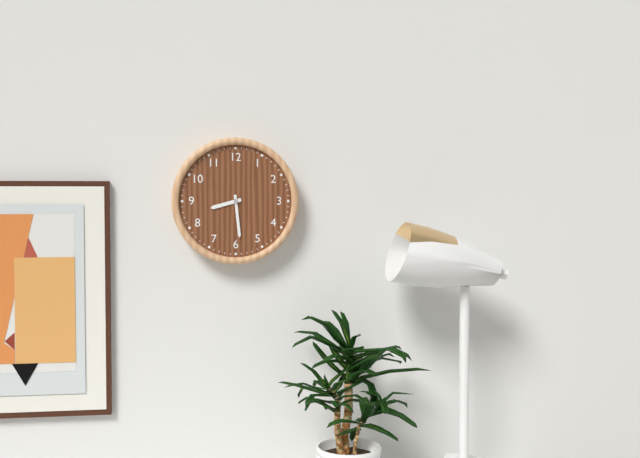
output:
8:29
